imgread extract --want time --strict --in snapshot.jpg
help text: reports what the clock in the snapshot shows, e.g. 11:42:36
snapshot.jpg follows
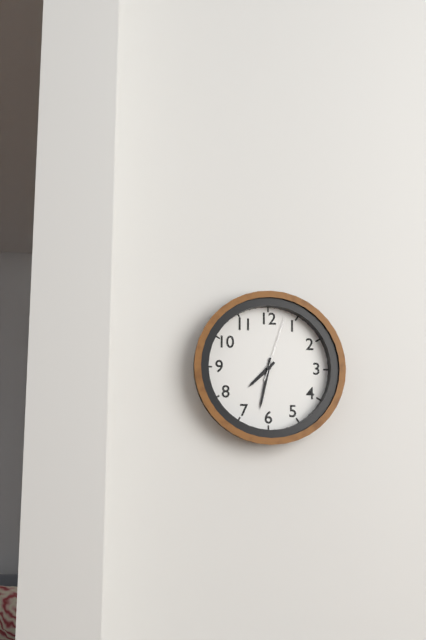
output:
7:32:03
